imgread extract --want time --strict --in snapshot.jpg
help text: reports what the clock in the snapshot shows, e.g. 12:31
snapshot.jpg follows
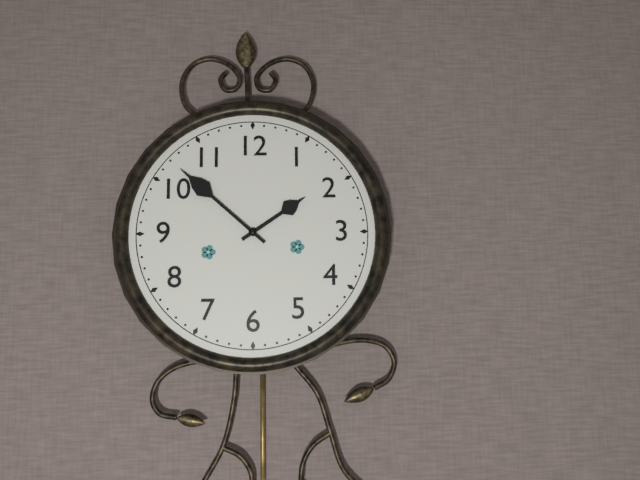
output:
1:52
